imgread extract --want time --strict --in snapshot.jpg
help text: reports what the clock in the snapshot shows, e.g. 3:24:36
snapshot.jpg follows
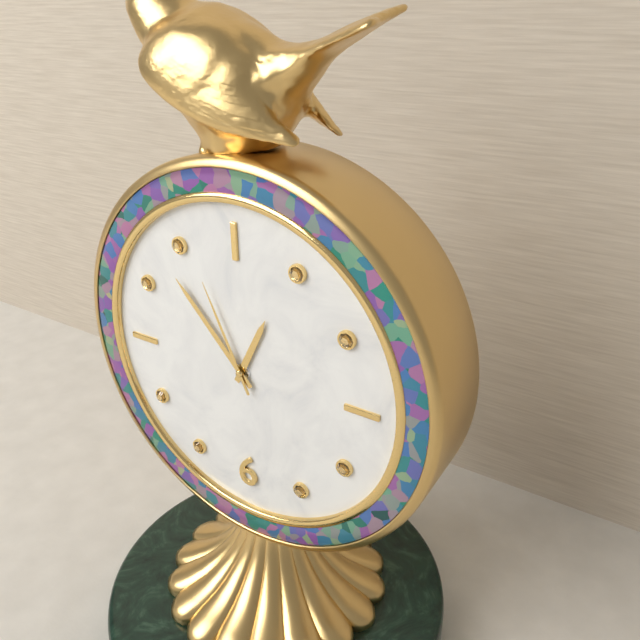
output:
12:53:56
